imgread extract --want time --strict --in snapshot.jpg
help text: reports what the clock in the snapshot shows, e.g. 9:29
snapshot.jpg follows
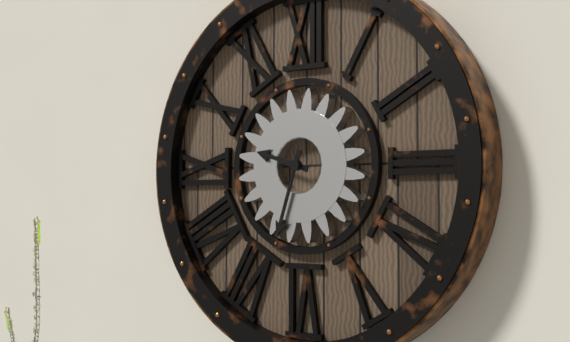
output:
9:33
